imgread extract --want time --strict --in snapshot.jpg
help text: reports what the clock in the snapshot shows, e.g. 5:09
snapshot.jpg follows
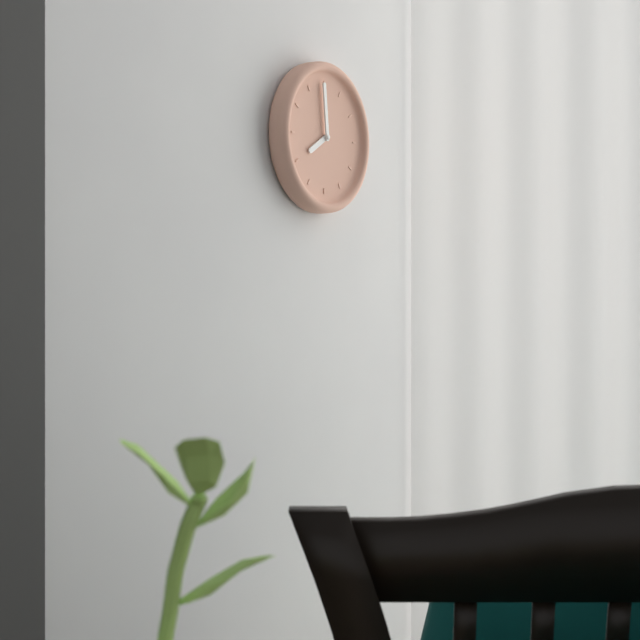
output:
7:59
